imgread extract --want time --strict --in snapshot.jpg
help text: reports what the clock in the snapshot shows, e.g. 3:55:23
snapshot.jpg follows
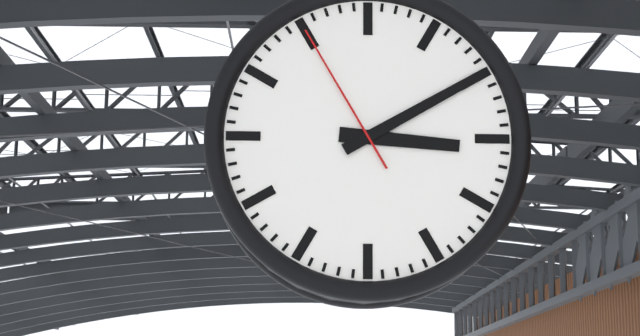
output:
3:10:55
